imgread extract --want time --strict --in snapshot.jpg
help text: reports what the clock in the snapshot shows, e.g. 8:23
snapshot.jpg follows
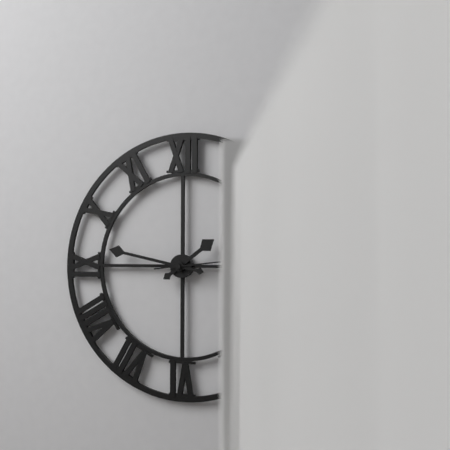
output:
1:47
